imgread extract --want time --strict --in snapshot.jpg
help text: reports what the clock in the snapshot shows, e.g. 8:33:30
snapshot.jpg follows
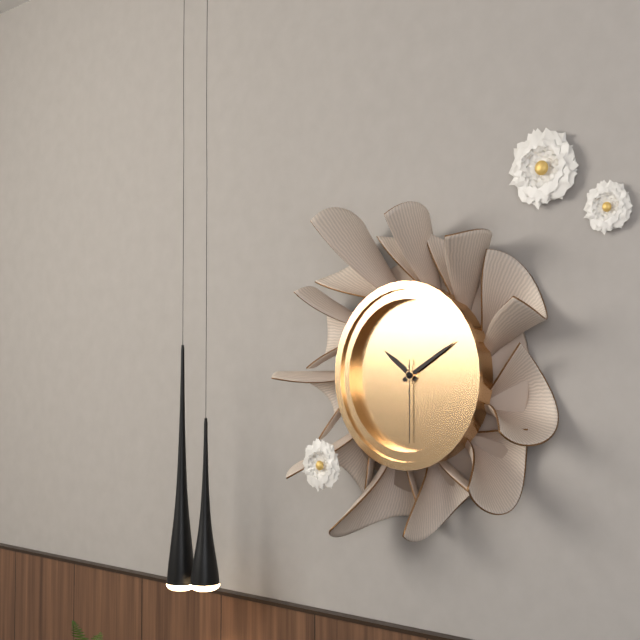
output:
10:10:30
